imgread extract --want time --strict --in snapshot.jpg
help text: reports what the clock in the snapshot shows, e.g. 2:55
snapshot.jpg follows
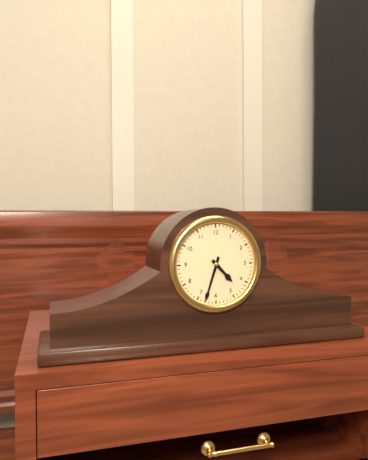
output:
4:33
